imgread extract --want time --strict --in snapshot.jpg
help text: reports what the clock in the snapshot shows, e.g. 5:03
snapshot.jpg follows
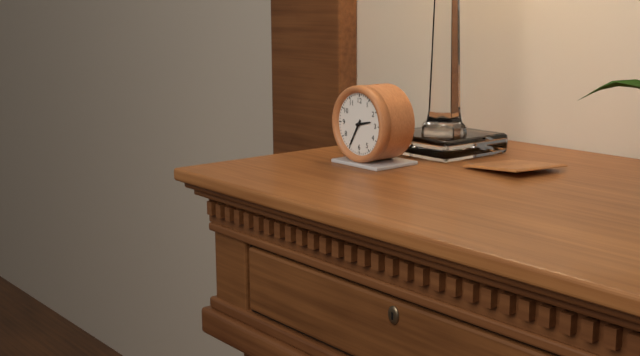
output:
2:35
